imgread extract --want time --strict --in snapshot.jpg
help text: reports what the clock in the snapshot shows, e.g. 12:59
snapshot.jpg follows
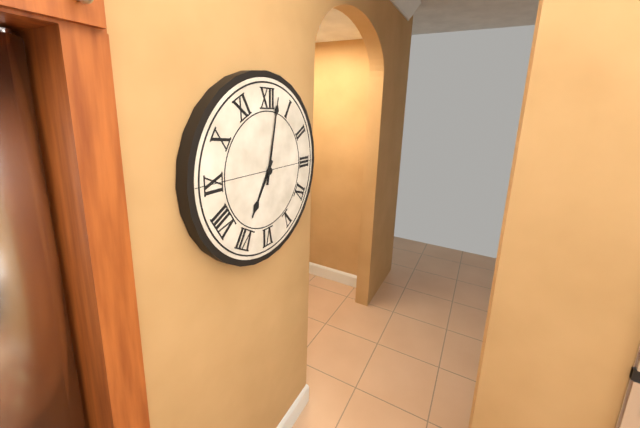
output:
7:02
